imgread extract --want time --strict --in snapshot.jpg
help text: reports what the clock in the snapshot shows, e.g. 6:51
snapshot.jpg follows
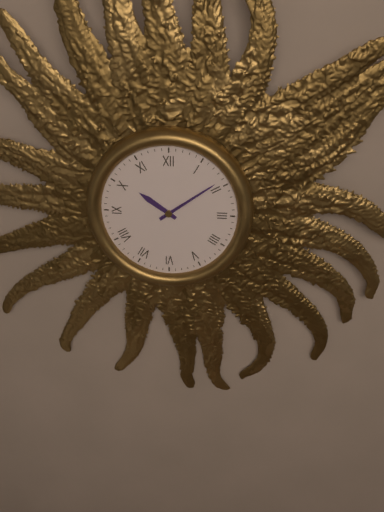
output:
10:09
